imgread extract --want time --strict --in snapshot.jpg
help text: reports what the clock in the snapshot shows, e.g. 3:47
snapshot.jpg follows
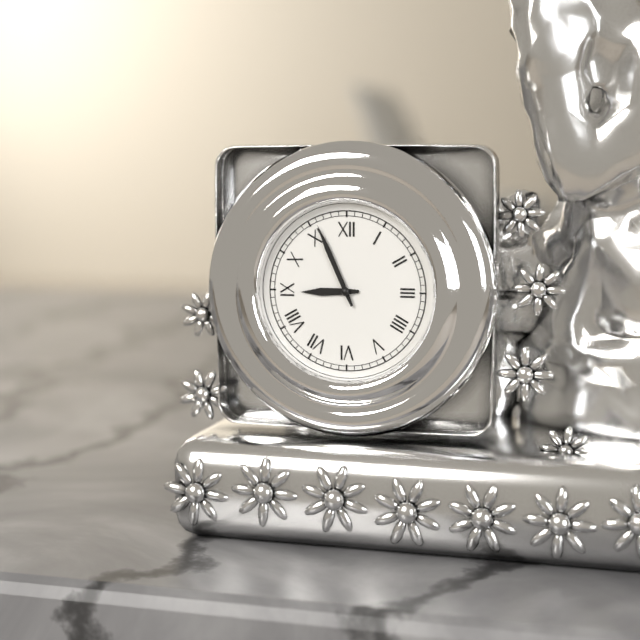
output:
8:56
